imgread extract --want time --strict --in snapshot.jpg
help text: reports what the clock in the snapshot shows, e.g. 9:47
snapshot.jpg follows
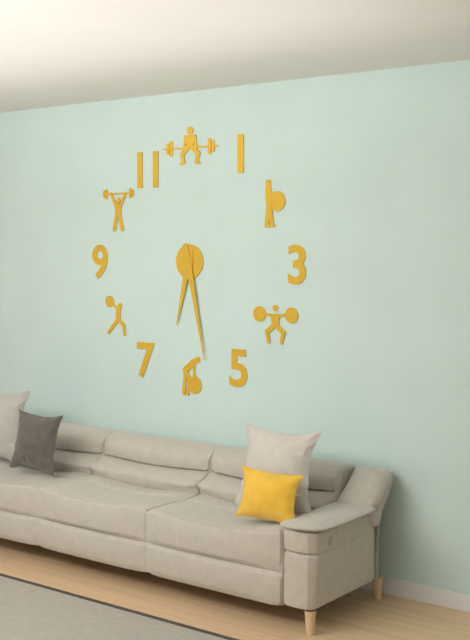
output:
6:28
